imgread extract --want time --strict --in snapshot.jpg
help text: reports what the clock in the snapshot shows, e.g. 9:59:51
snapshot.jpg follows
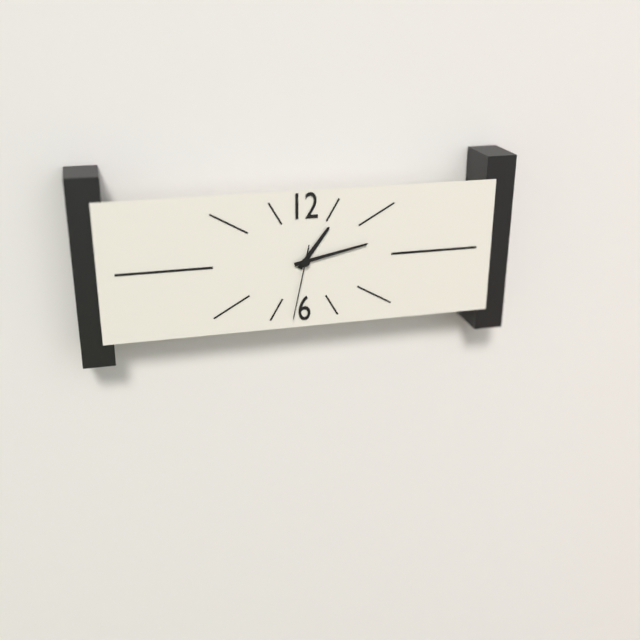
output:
1:13:32
